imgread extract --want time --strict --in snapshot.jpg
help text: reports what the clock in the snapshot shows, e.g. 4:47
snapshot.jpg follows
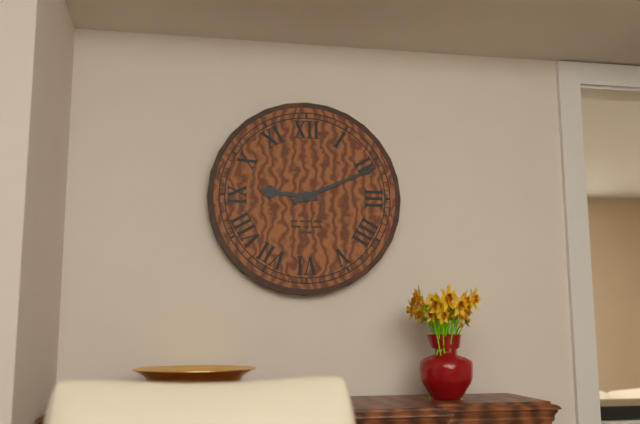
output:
9:11
